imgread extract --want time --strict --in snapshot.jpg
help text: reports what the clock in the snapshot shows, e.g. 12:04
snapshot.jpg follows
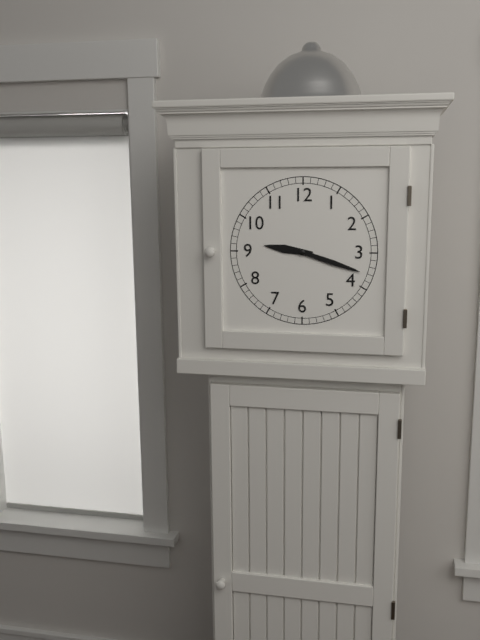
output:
9:18
